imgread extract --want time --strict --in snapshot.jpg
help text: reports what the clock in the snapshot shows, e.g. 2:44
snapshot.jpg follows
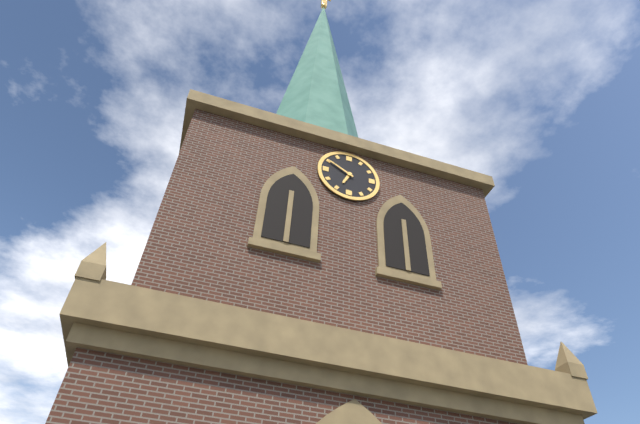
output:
6:50
